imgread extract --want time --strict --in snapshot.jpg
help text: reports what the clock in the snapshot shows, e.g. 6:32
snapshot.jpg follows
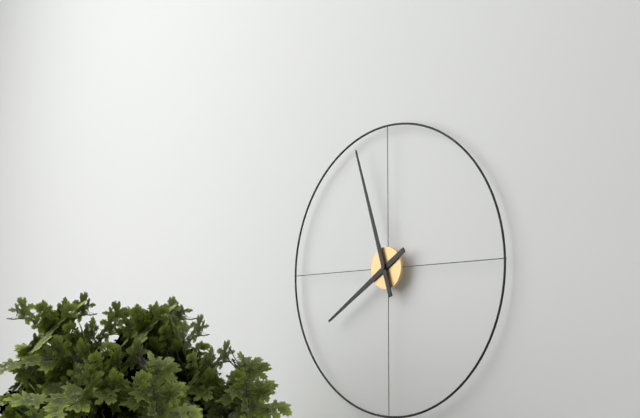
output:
7:57
